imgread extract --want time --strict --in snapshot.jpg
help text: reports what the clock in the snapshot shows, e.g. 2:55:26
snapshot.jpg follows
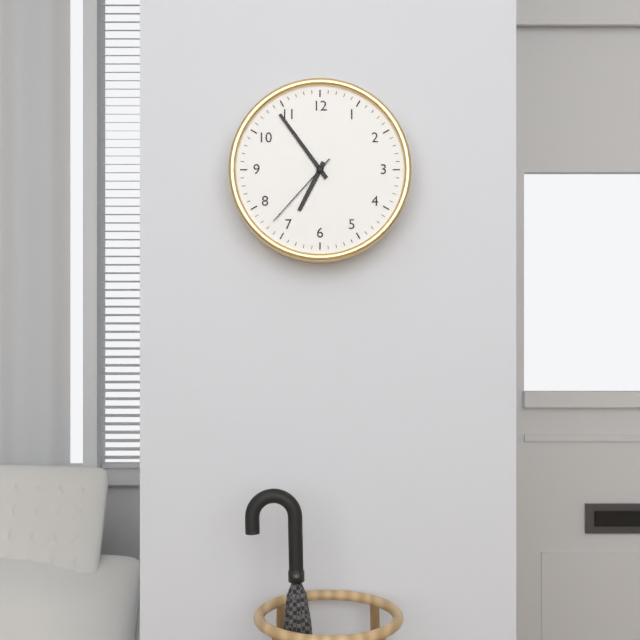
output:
6:54:37
